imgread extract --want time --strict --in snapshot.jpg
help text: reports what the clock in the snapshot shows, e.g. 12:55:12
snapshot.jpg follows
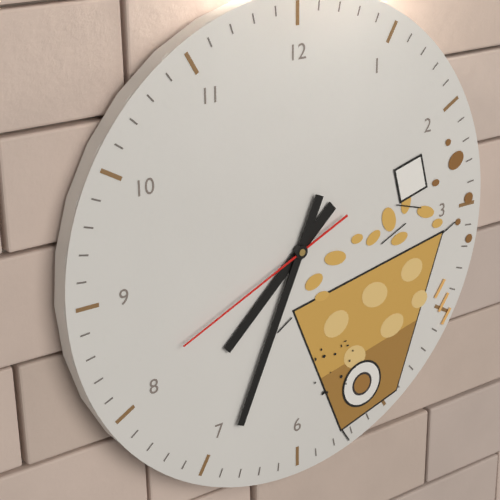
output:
7:34:41
